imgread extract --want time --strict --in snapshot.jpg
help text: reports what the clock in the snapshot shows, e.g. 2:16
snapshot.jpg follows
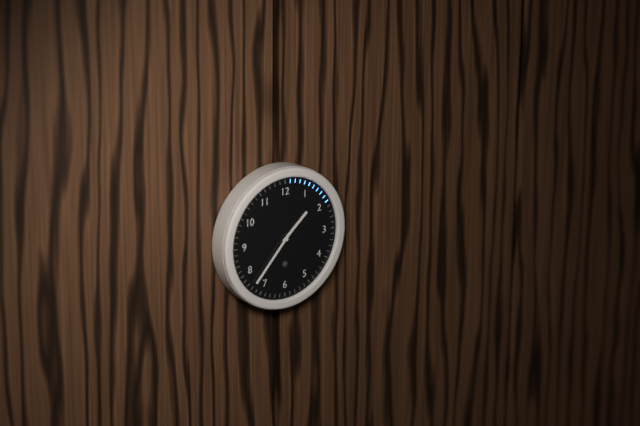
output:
1:37
